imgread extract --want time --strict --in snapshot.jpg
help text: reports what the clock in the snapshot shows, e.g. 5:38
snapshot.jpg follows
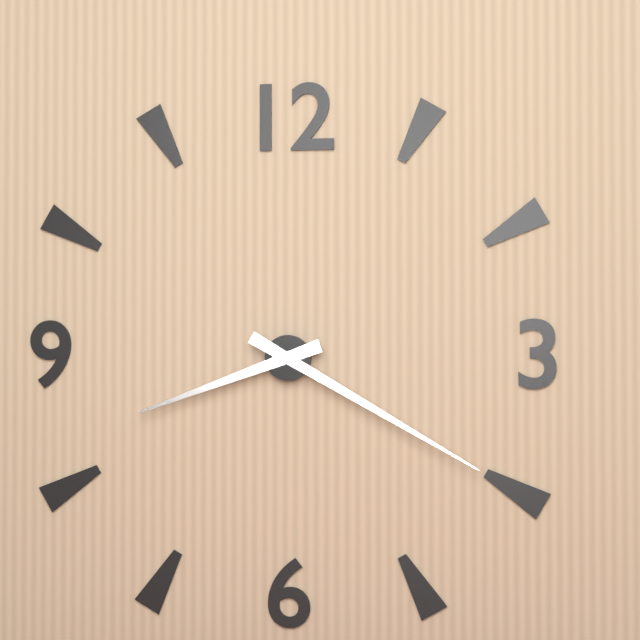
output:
8:20
